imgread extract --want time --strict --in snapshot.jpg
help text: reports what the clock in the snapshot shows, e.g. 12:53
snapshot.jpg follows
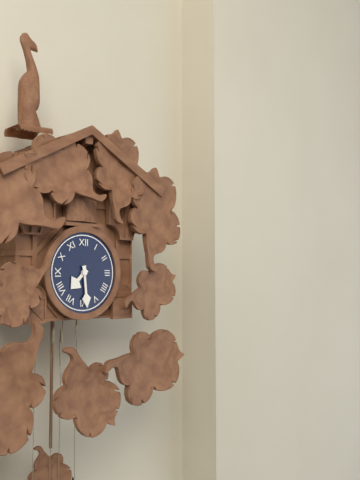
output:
7:29
